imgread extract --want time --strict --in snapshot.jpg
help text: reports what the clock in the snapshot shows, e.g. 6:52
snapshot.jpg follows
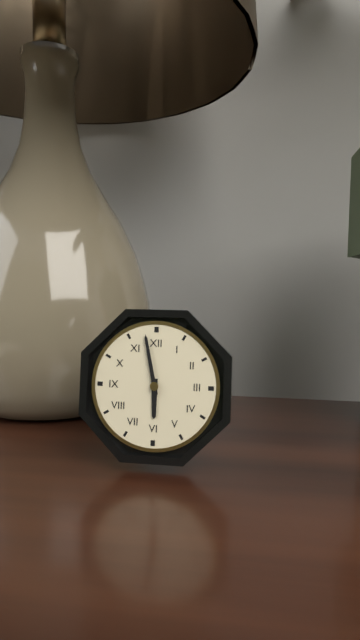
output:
5:58
